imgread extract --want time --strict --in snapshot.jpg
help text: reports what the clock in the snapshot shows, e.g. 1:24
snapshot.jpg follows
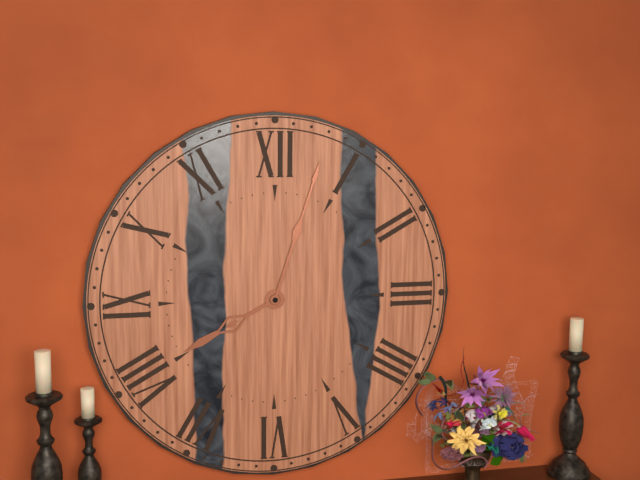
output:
8:03
